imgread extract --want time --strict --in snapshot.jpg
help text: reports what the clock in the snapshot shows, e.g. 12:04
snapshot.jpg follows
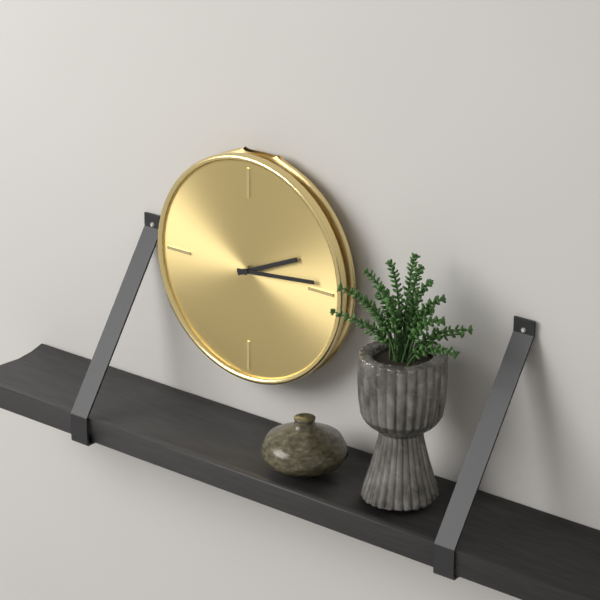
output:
2:14
